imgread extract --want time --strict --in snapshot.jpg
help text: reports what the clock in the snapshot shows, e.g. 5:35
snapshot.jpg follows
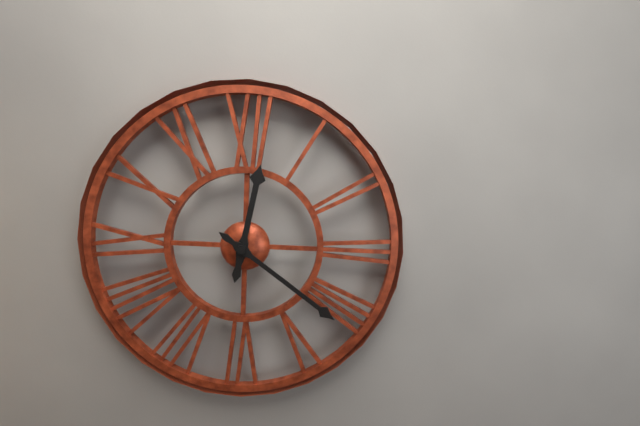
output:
12:21
